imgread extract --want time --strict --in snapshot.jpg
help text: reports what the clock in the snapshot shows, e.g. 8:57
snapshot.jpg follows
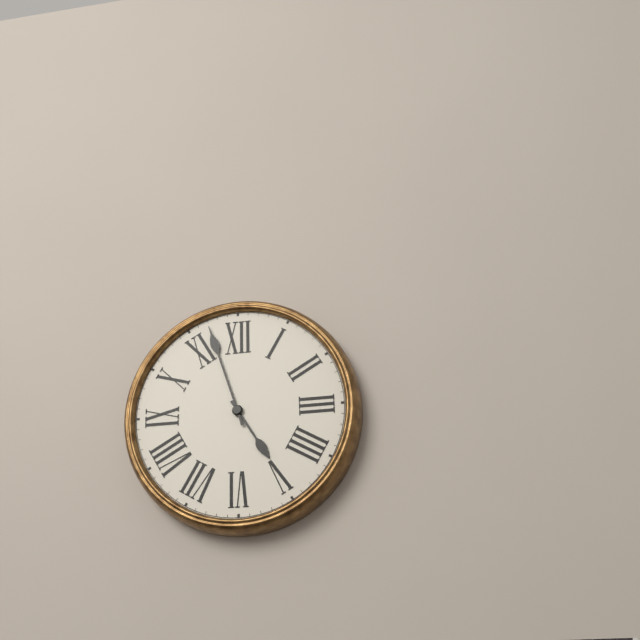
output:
4:57
